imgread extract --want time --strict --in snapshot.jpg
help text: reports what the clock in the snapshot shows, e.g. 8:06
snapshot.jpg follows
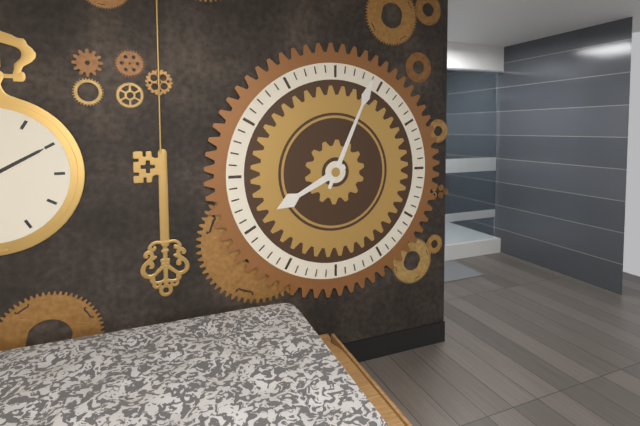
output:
8:04
